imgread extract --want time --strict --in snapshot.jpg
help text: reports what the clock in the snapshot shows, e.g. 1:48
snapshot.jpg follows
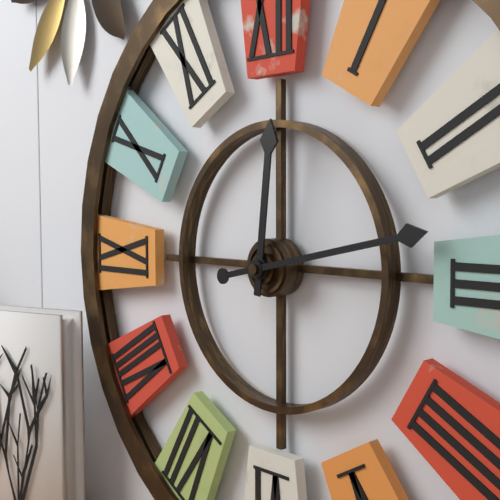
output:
12:13
